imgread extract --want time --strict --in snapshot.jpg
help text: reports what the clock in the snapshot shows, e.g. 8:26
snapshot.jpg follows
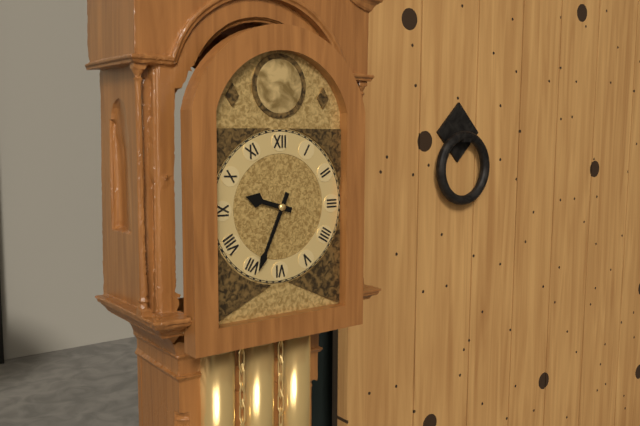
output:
9:34
